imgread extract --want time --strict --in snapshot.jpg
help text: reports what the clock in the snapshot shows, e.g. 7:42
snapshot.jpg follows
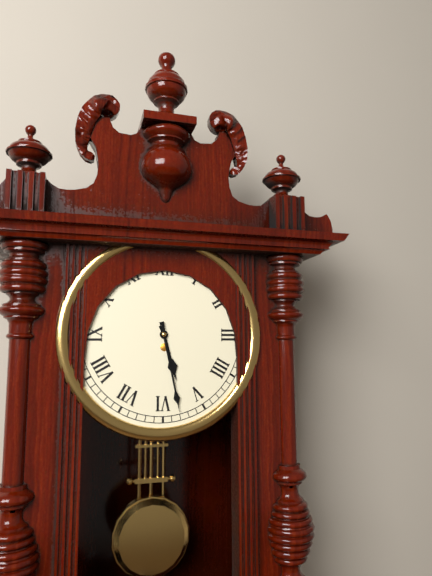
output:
5:28
